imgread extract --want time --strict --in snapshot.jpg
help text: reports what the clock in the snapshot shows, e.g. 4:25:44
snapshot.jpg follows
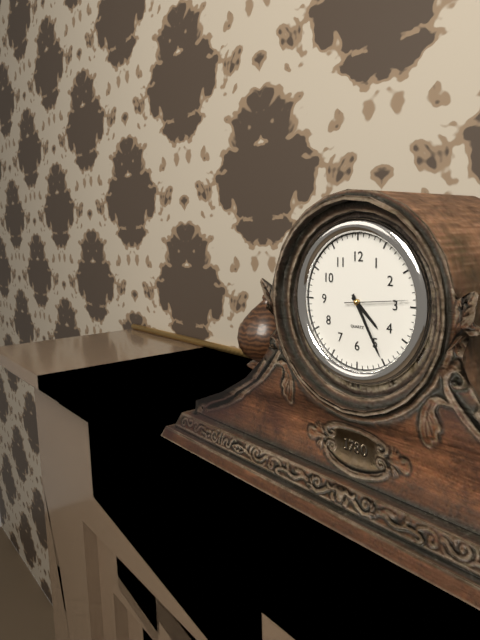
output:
4:25:14
